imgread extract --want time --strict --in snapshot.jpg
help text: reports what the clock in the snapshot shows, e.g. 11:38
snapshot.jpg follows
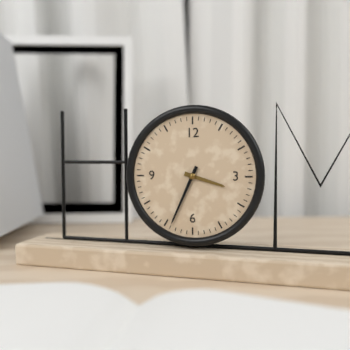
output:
3:34
